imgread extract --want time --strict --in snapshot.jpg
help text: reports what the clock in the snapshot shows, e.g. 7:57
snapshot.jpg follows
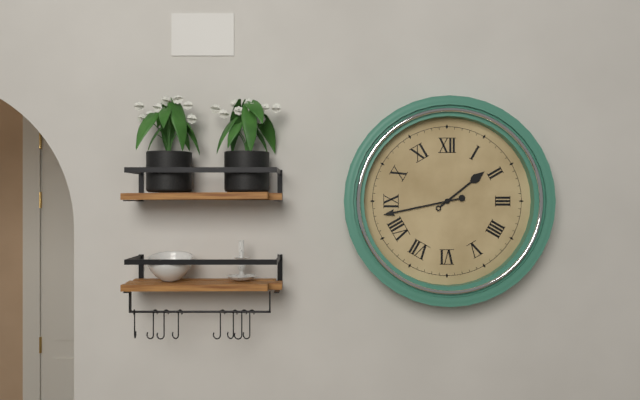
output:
1:43
